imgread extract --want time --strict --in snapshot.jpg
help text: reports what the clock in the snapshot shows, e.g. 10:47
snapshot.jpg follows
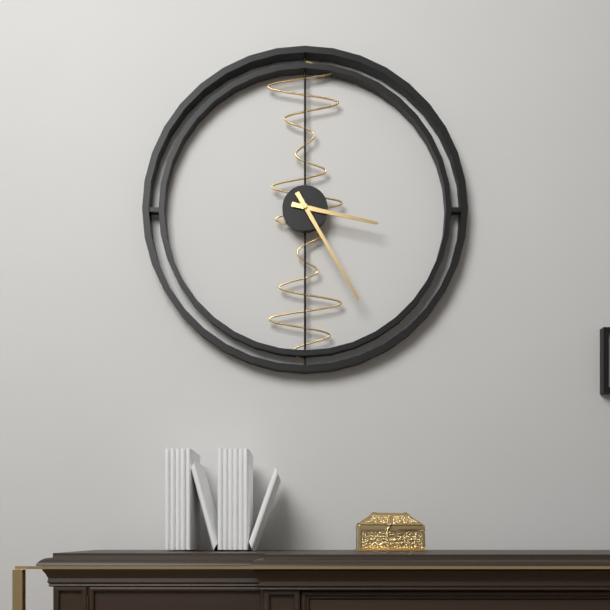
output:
3:25
